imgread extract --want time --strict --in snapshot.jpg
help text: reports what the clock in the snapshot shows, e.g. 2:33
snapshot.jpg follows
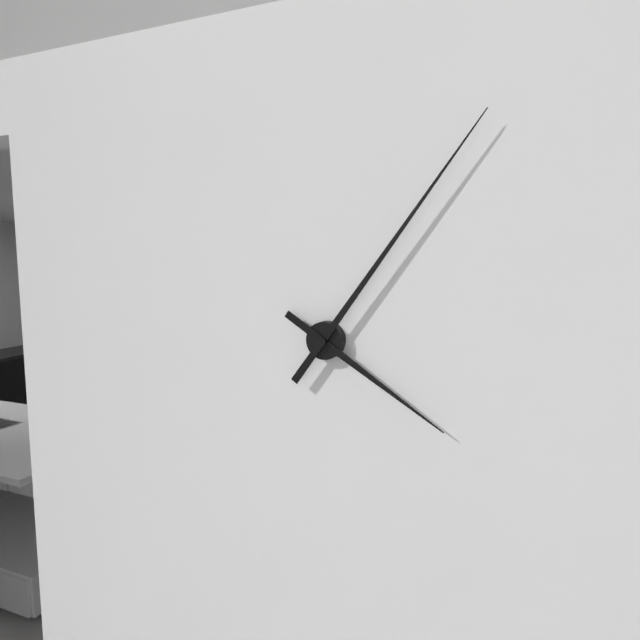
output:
4:06
